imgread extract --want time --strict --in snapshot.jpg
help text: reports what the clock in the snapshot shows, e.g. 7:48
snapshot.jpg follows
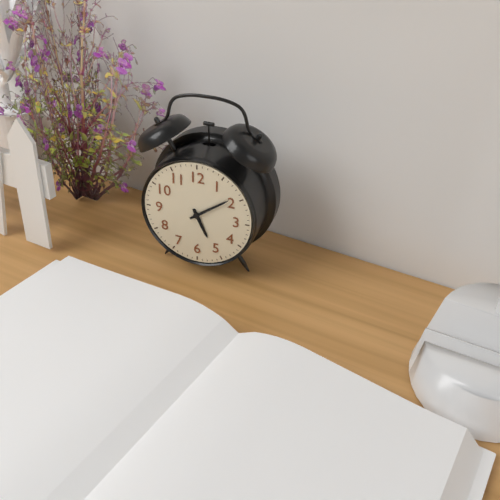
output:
5:09
